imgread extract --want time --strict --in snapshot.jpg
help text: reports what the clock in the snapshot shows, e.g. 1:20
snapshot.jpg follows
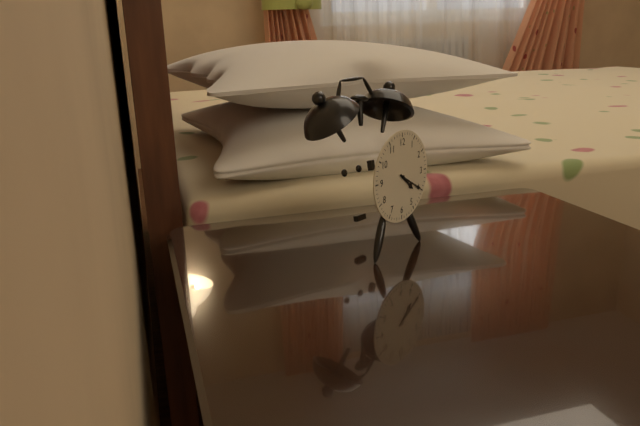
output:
4:20
